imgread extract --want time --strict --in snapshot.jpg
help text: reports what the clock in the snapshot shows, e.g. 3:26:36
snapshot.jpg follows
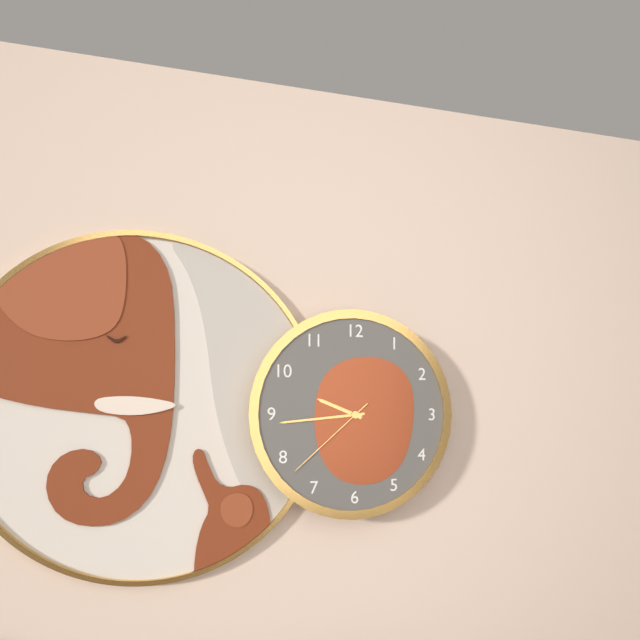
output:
9:44:38
